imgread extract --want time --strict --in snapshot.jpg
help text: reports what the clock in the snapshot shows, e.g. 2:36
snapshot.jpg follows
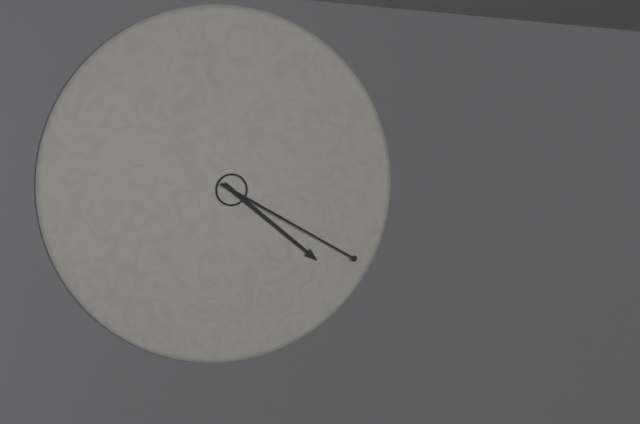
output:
4:20
